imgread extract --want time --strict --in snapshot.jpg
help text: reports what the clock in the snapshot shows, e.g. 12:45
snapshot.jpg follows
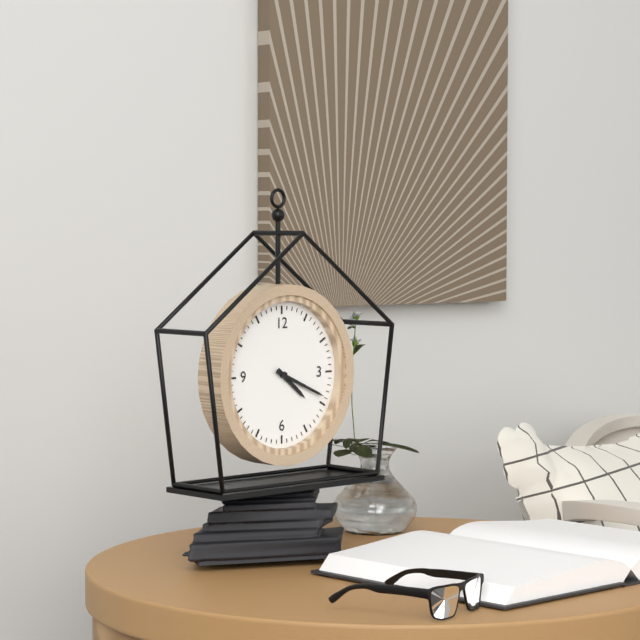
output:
4:19
